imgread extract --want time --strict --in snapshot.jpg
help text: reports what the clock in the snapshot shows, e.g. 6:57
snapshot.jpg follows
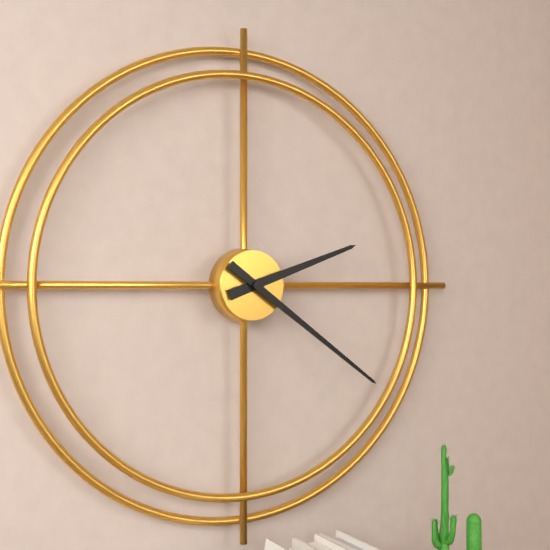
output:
2:21
